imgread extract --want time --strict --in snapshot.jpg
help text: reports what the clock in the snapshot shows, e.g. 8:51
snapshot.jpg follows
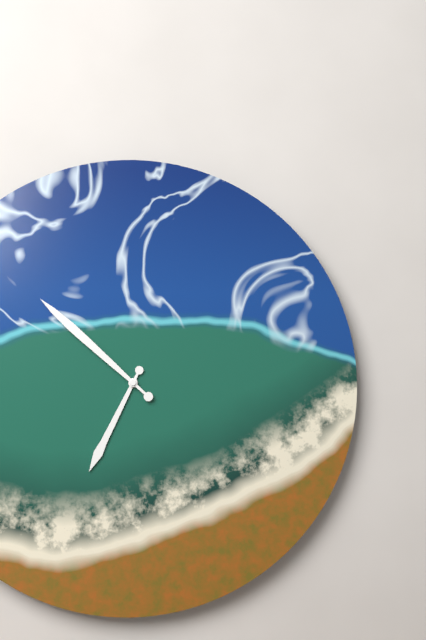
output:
6:52
